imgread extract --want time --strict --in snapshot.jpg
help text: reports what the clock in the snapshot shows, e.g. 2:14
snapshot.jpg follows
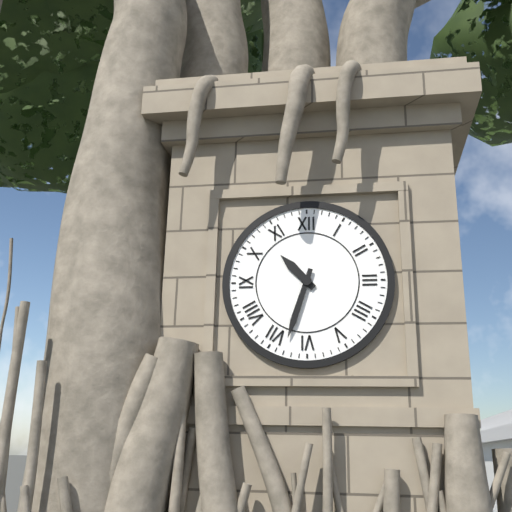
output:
10:33
